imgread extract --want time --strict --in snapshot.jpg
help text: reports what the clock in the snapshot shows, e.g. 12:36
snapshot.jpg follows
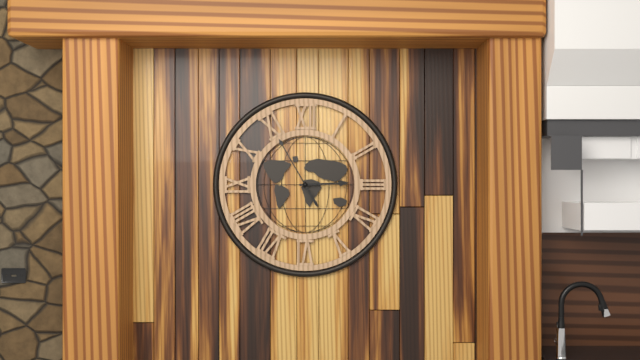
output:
2:55
